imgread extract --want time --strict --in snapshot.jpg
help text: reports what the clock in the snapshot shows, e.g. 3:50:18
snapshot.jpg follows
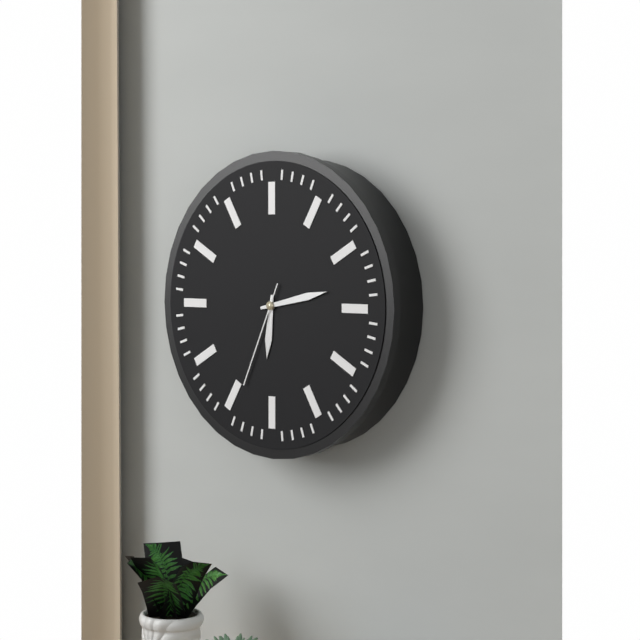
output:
6:13:34
